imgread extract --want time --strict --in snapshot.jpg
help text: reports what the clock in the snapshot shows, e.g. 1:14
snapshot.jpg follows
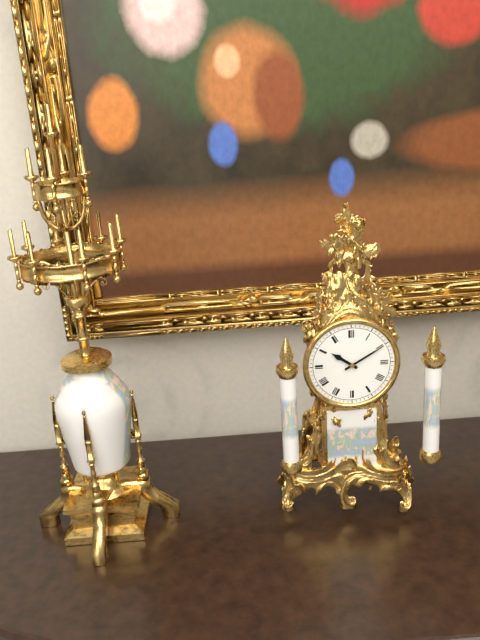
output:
10:10
